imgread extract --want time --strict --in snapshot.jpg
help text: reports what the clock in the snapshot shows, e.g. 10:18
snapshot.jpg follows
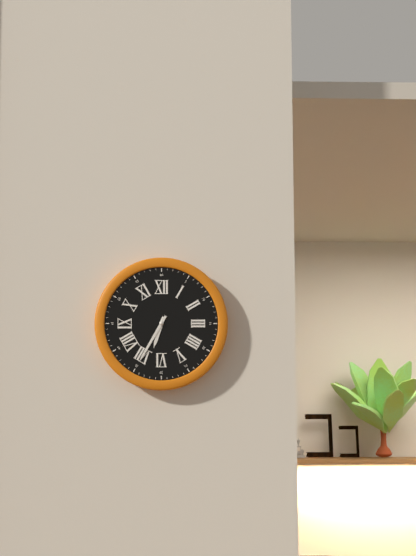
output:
6:35
